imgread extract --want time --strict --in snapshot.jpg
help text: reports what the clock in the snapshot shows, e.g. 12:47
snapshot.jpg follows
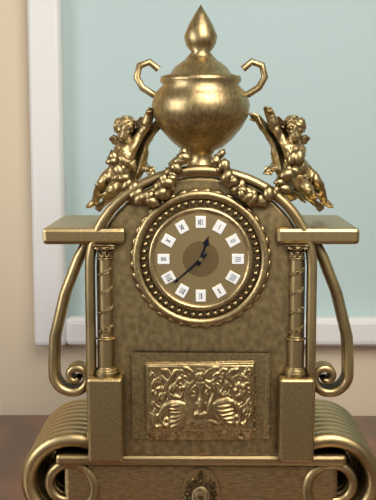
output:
12:38
